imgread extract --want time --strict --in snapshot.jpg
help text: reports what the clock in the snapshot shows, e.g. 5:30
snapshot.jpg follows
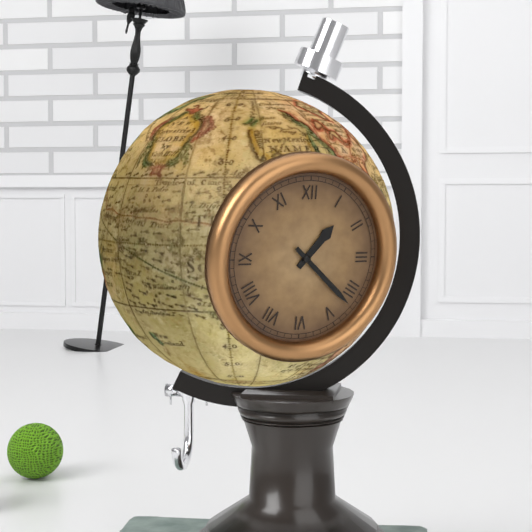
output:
1:22
